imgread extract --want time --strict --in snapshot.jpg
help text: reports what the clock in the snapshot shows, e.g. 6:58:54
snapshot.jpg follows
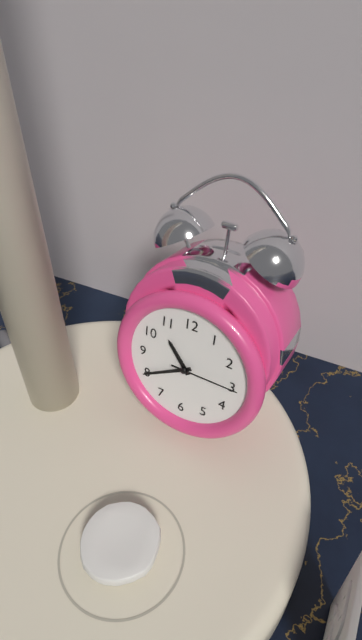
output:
10:40:15
